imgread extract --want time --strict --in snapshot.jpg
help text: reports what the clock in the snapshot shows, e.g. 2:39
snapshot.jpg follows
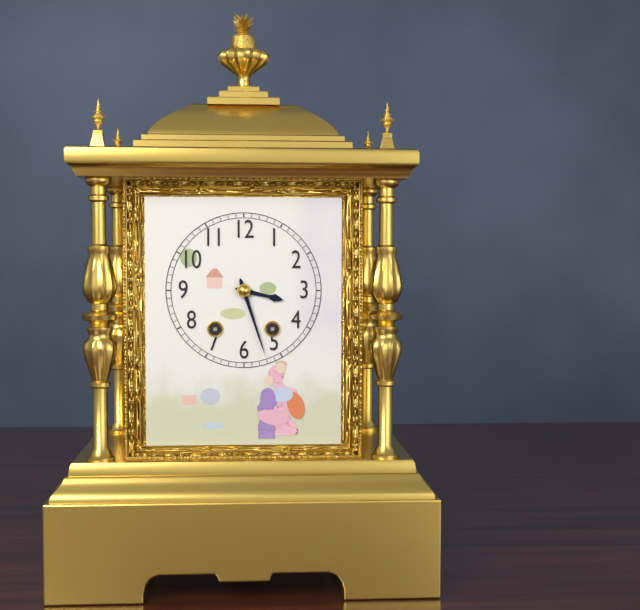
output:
3:27
